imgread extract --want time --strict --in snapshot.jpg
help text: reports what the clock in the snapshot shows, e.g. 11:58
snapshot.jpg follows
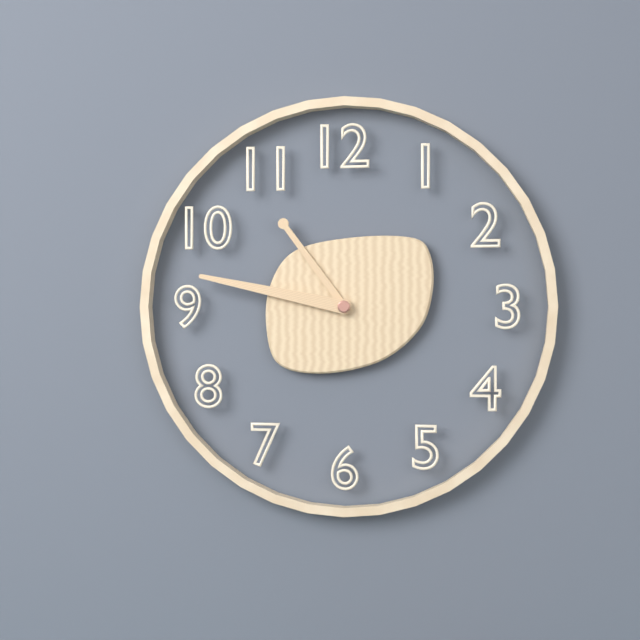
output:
10:47
